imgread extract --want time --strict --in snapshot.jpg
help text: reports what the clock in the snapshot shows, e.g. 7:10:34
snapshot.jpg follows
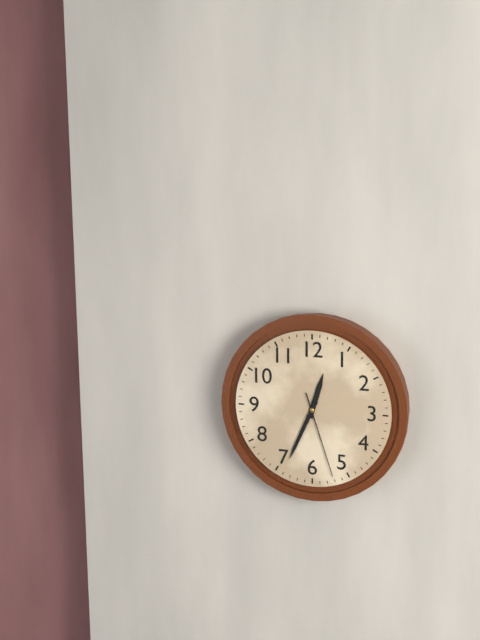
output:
12:34:27
